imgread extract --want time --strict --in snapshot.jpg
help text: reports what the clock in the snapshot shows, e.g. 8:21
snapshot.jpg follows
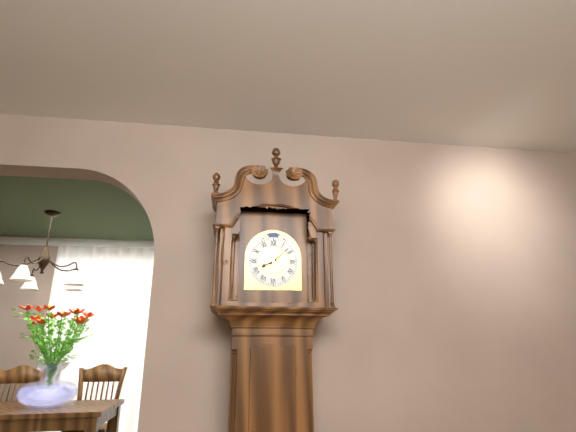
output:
8:08
